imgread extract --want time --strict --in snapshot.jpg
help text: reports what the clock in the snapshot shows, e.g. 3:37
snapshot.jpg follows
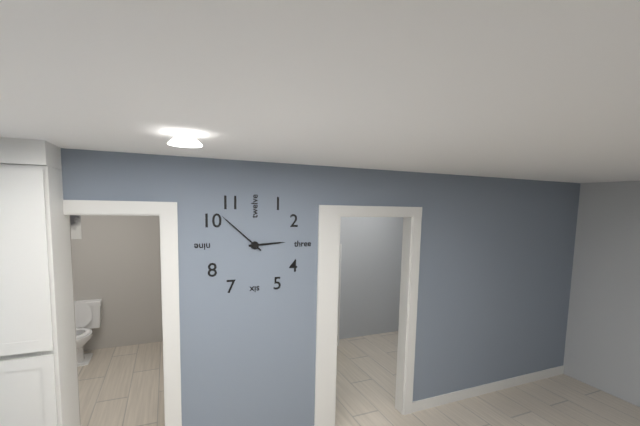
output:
2:52
